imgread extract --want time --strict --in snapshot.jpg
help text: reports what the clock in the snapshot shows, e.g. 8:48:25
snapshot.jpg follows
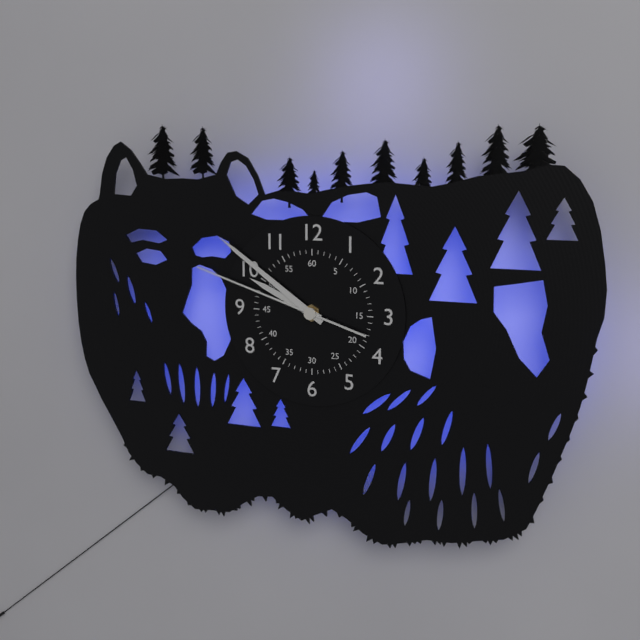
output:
9:51:48
